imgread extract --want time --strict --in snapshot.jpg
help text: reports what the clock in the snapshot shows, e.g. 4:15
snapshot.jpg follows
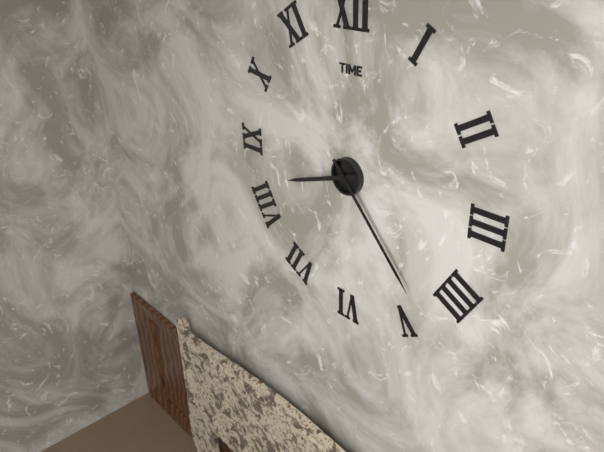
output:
8:23
